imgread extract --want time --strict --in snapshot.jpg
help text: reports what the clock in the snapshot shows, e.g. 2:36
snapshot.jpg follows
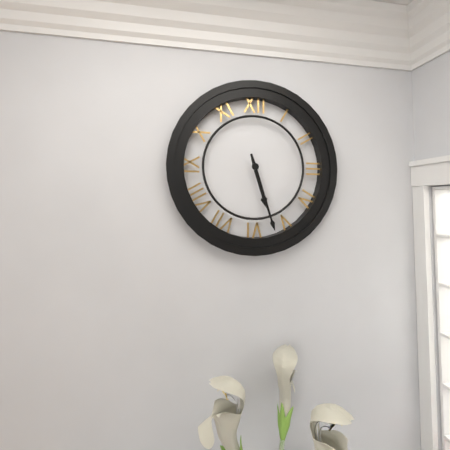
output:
5:27
